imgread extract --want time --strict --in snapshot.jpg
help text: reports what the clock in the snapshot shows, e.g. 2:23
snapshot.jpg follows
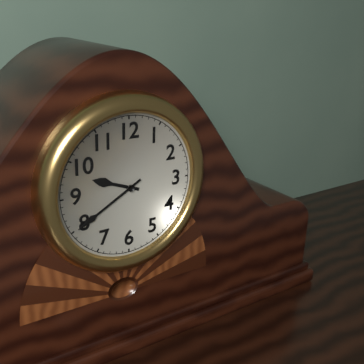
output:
9:40
